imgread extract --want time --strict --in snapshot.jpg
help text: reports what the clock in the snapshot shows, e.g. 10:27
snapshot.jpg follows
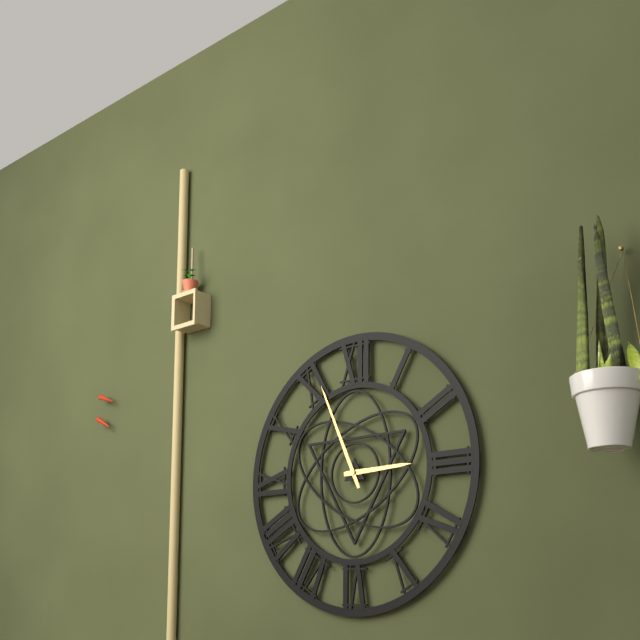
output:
2:56
